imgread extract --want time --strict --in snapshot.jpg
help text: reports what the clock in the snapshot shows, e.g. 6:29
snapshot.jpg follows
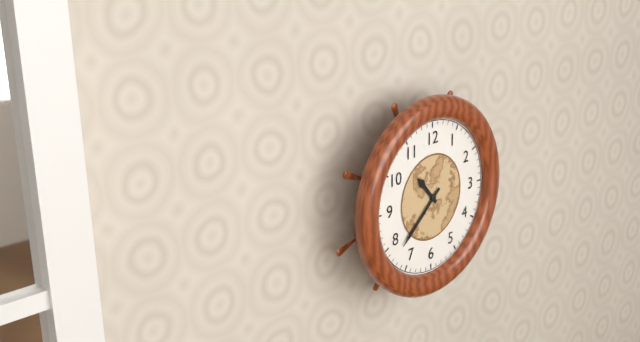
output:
10:38
